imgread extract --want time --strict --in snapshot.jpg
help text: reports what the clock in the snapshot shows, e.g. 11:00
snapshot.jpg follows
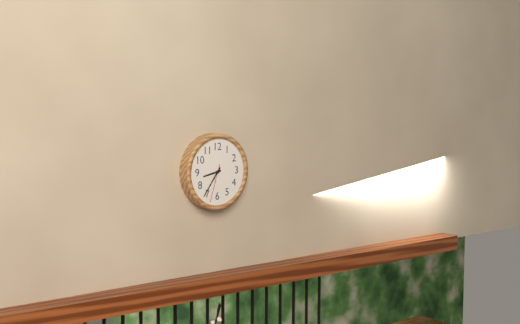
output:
8:36
